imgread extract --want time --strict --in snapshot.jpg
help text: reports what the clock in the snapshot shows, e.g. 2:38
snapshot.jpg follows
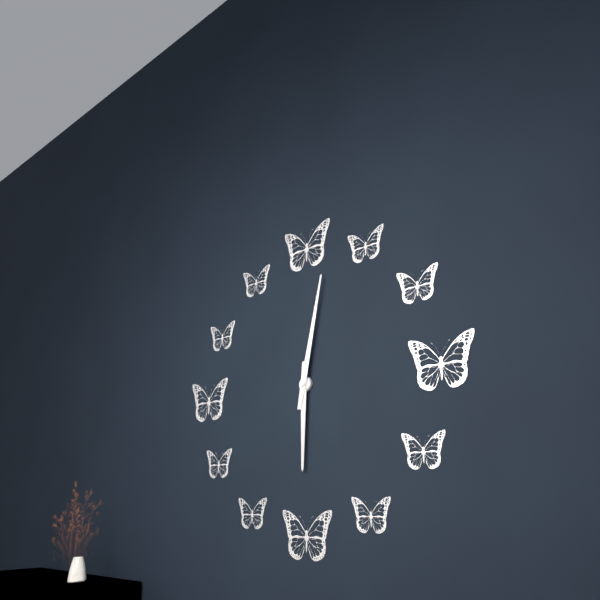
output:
6:02
